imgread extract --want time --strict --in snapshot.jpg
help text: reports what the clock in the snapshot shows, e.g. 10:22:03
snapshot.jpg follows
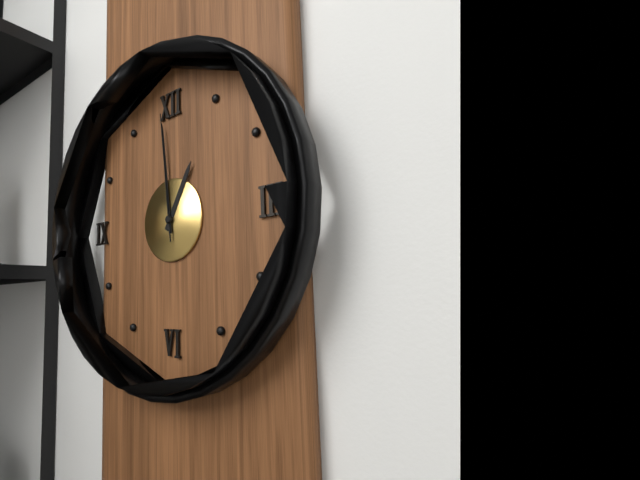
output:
12:59:59
